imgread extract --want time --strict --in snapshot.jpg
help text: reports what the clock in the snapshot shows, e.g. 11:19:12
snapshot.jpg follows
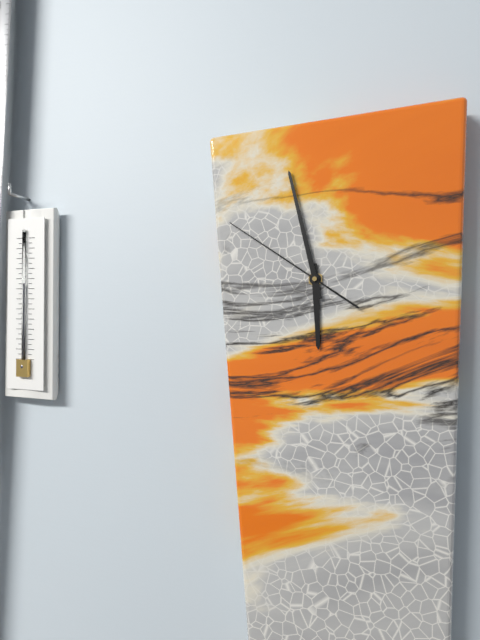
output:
5:58:51
